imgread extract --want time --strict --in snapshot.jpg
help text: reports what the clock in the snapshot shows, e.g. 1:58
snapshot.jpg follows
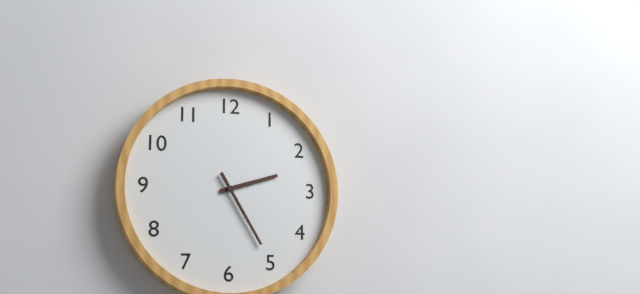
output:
2:25
